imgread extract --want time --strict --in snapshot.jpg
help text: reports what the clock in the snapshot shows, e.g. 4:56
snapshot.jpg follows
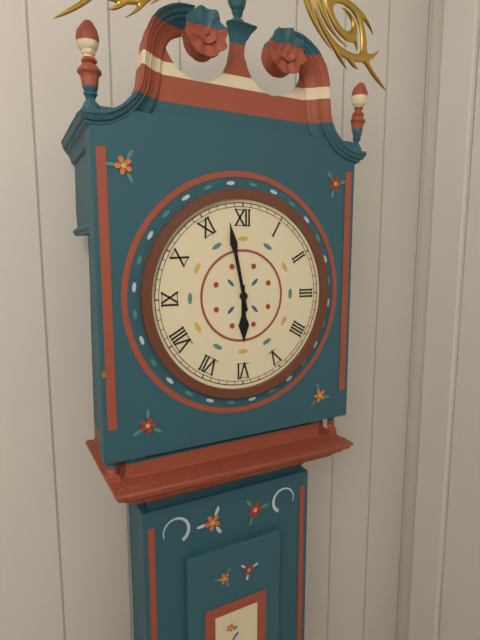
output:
5:58
